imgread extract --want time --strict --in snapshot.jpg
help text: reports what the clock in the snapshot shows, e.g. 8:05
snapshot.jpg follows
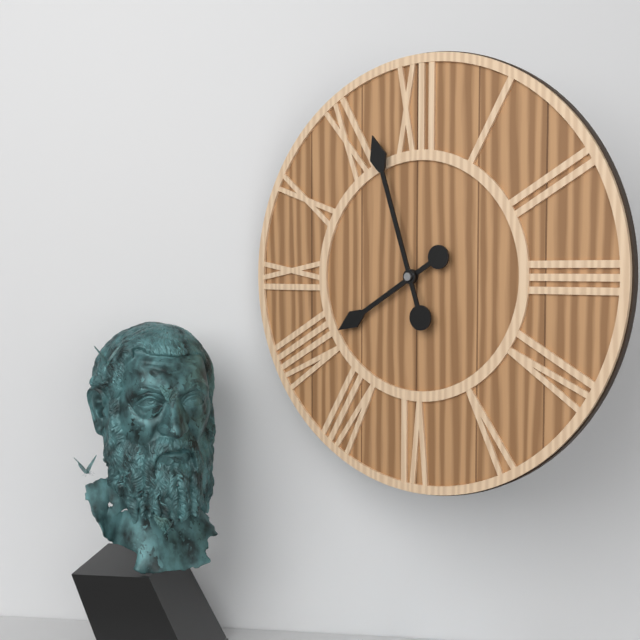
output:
7:57
